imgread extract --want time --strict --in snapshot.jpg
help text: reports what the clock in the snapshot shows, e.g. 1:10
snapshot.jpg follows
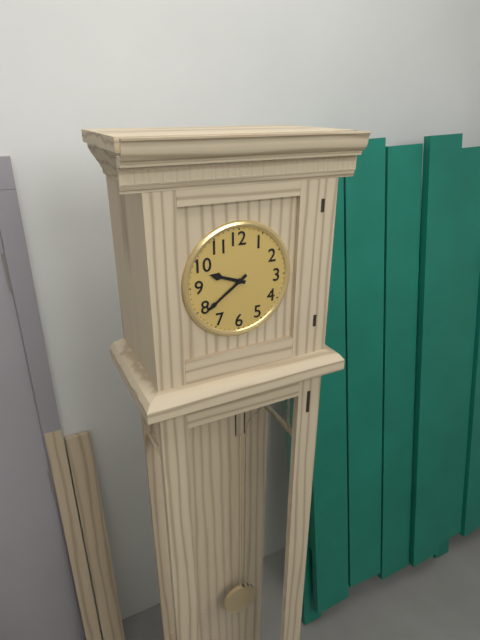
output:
9:39
